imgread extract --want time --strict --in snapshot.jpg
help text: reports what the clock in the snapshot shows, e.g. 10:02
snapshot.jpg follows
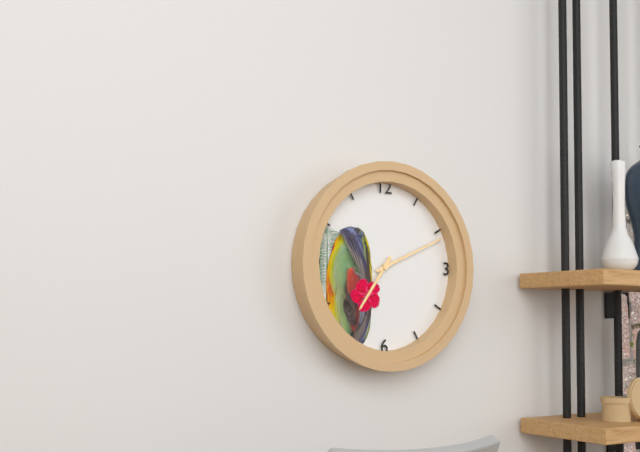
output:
7:11
